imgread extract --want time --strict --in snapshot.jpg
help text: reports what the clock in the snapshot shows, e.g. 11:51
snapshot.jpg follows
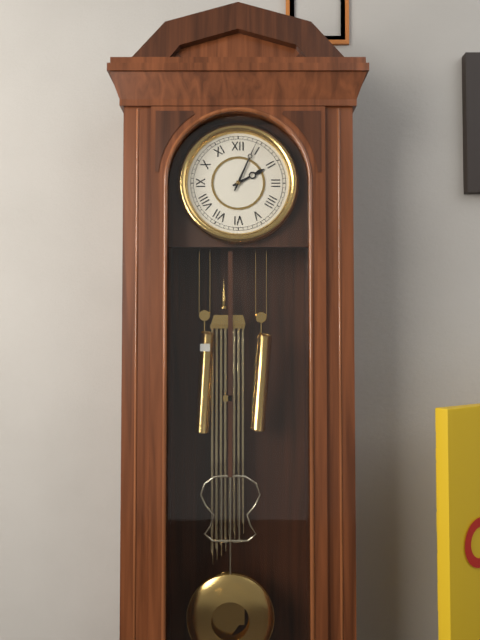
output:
2:04
